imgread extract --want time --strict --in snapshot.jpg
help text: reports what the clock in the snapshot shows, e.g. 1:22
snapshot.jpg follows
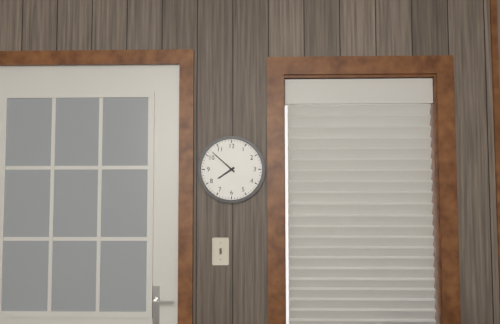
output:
7:52
